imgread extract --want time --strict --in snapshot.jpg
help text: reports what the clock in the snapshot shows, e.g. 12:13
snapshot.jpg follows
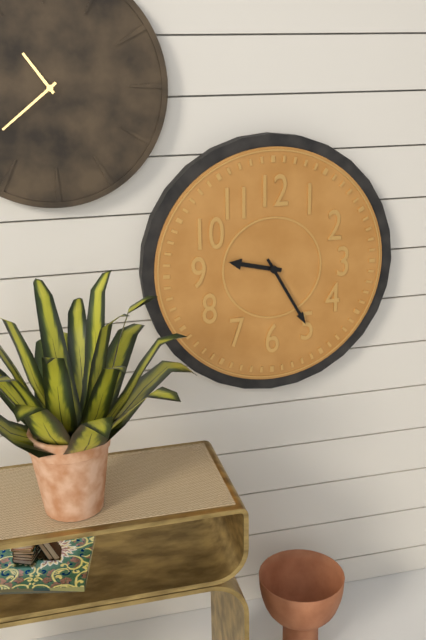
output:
9:25
